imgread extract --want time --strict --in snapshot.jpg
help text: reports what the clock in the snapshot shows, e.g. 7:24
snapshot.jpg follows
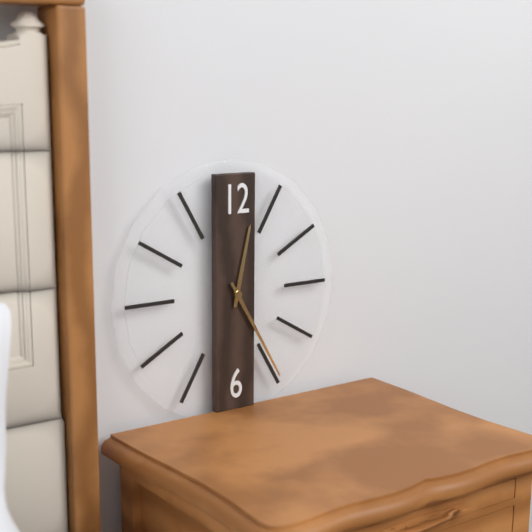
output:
12:25
